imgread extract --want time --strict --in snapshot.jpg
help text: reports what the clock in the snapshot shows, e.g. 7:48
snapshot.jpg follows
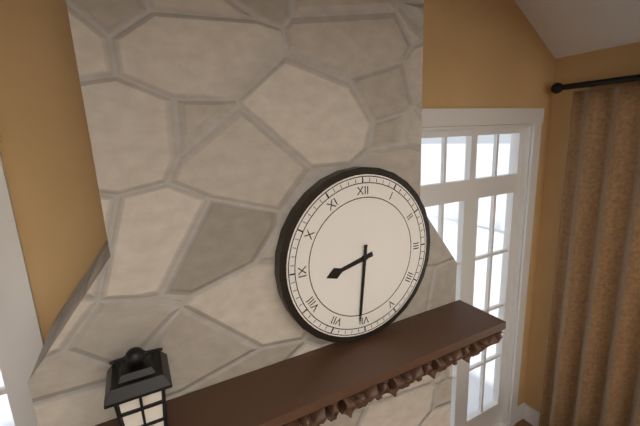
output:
8:31
